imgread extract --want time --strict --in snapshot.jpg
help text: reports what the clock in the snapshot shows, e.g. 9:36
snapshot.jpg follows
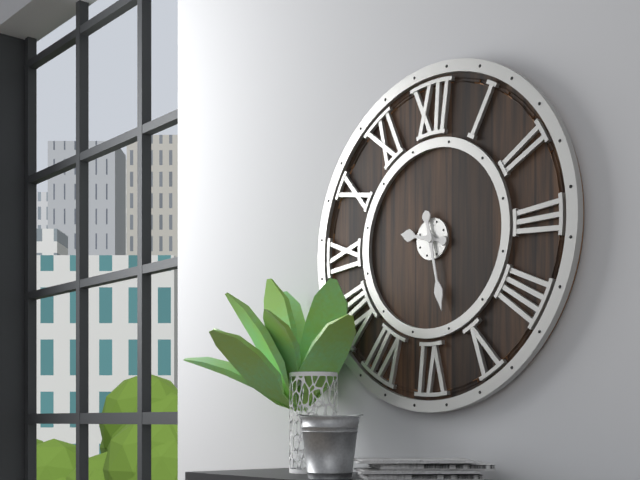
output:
9:28
